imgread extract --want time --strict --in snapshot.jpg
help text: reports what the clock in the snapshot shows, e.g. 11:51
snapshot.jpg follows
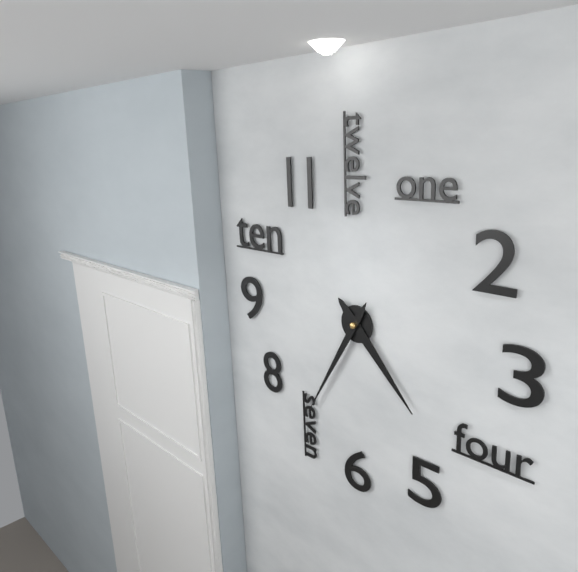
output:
4:35
